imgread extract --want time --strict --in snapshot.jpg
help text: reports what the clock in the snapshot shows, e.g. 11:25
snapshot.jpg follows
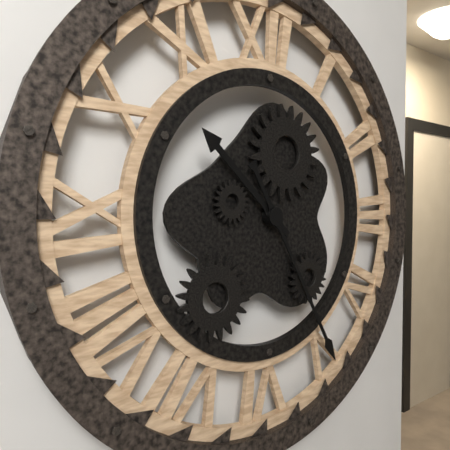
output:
10:25
